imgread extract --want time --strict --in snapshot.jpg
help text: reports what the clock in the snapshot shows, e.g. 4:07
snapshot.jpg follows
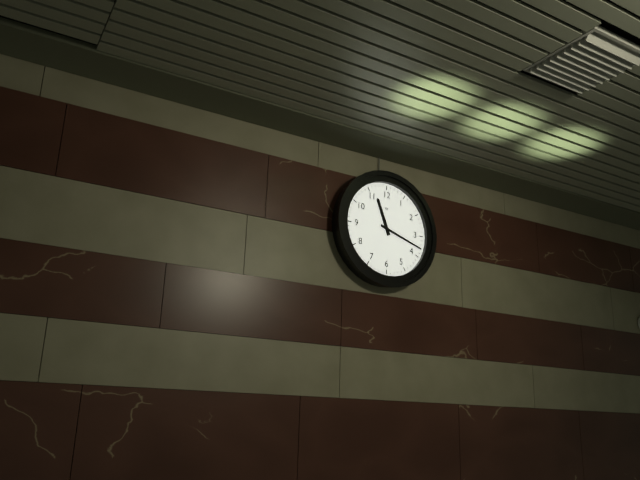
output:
11:18
